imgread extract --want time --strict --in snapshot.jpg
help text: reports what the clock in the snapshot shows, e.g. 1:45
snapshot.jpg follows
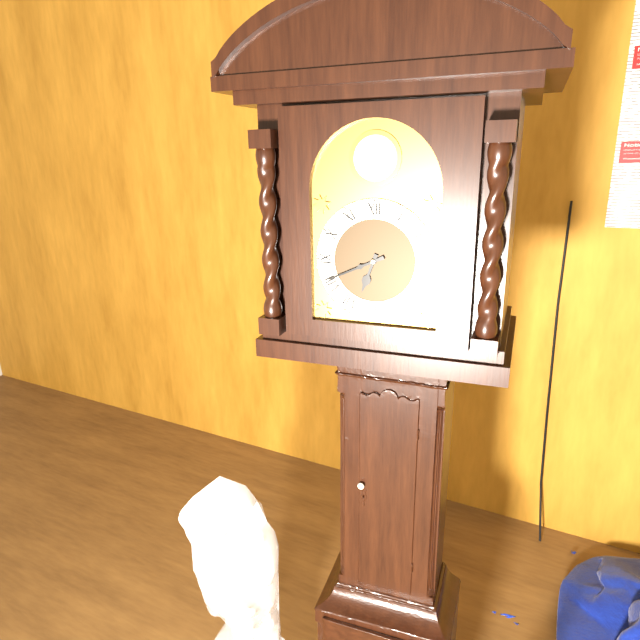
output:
6:41
